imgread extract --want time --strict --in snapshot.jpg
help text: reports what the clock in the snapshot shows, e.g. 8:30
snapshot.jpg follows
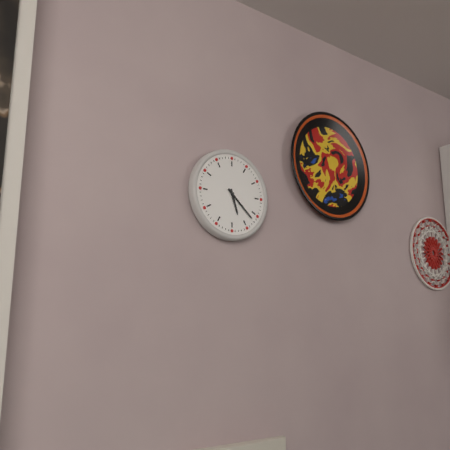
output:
5:22
